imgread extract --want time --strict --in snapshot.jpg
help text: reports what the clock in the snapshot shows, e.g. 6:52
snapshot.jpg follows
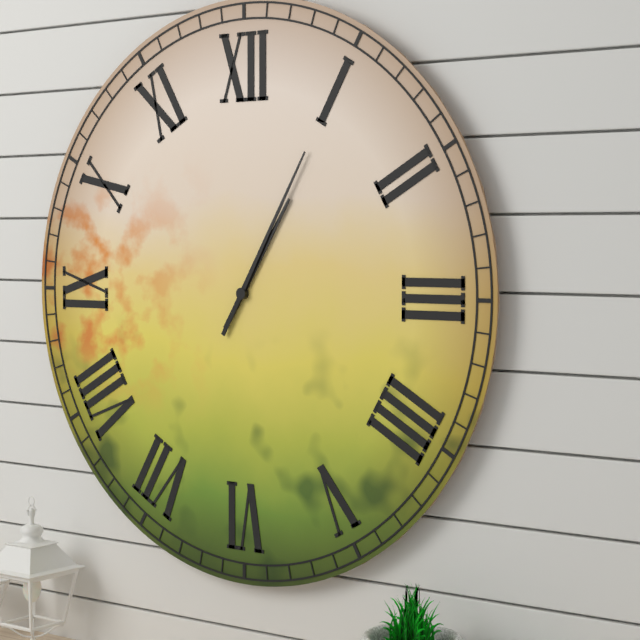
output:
1:05
